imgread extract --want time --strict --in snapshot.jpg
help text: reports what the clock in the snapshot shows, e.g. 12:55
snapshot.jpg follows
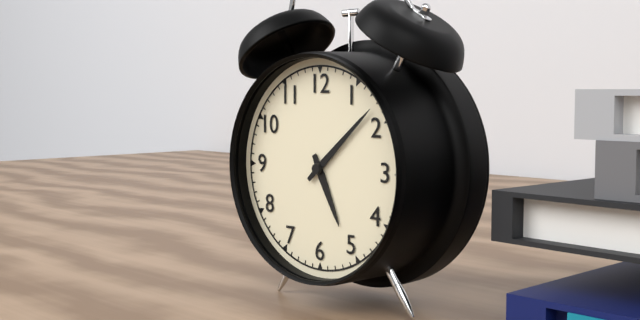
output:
5:08
